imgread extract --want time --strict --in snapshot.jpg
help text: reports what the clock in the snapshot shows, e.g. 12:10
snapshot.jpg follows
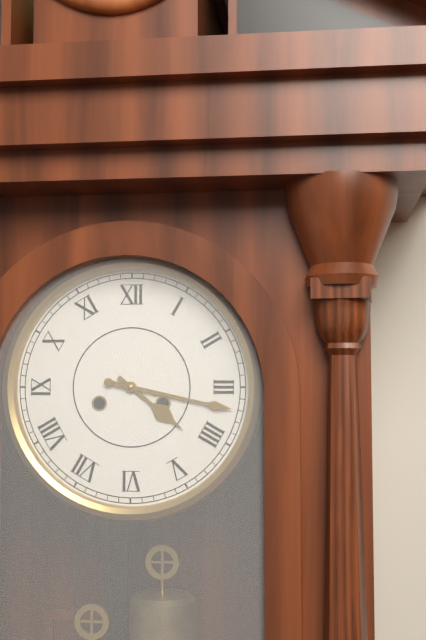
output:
4:17
